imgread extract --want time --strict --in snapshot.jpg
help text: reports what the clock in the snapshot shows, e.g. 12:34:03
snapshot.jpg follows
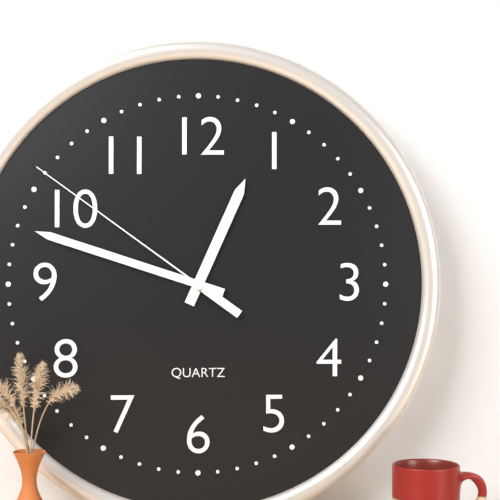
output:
12:48:51
